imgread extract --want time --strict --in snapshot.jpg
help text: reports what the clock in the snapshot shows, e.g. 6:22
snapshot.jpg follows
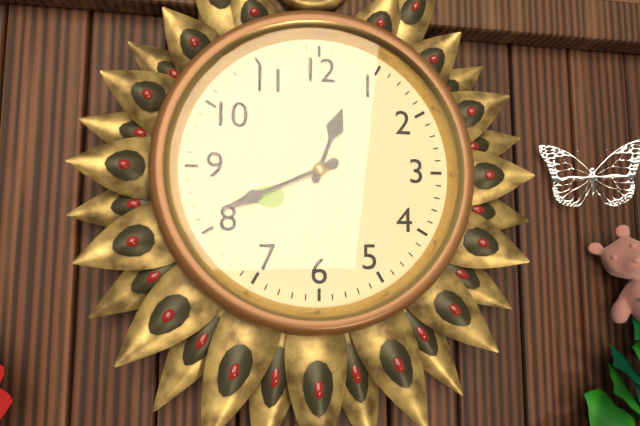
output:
12:41
